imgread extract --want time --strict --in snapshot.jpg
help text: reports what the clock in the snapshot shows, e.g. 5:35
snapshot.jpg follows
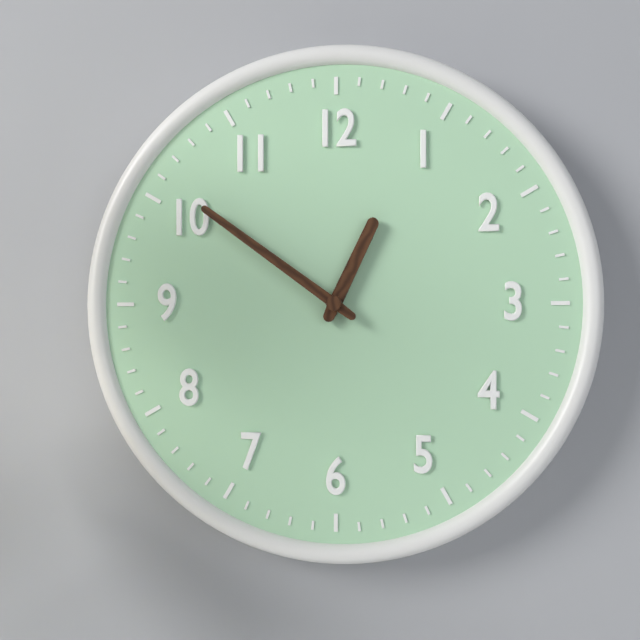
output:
12:51
